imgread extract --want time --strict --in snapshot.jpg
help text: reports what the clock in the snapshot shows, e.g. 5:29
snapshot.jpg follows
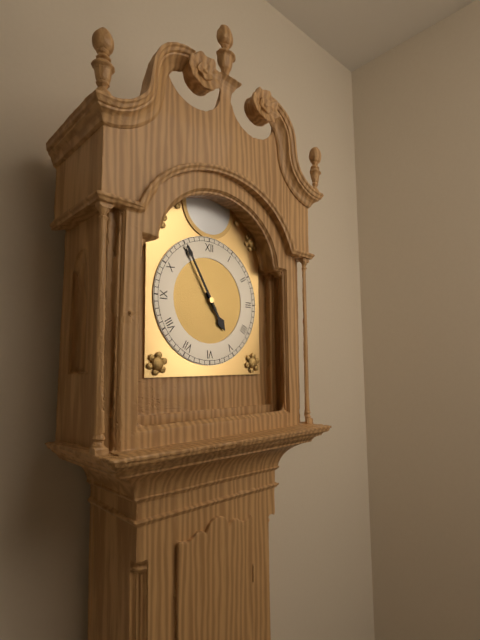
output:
4:55
